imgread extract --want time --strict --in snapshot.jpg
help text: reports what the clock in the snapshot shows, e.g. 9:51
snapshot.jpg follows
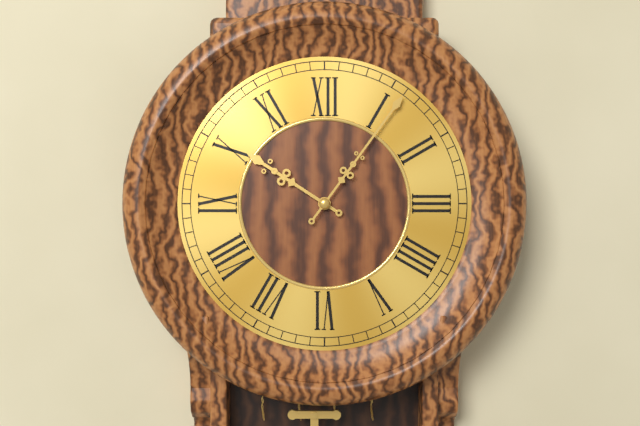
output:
10:06
